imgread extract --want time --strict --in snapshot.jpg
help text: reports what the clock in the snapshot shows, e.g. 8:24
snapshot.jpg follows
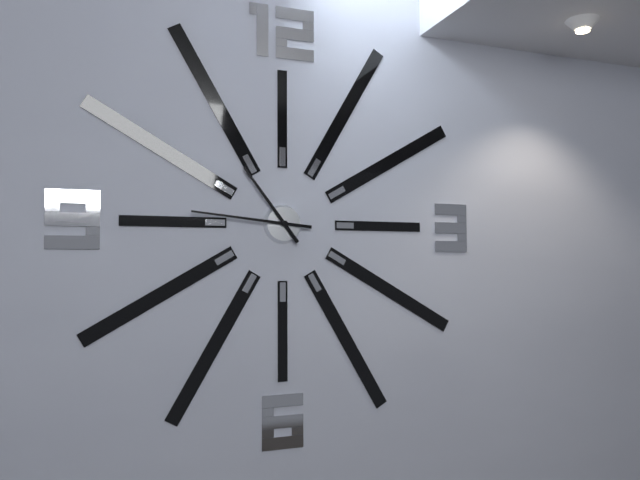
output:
10:46
